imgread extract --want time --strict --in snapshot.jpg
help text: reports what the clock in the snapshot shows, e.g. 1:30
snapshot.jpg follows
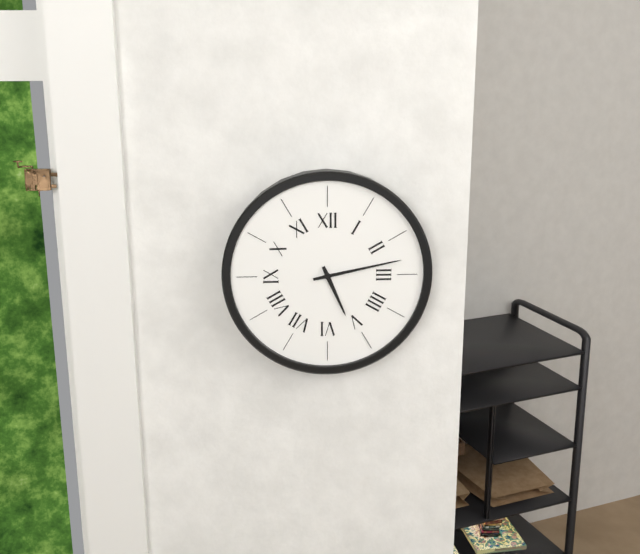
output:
5:13
